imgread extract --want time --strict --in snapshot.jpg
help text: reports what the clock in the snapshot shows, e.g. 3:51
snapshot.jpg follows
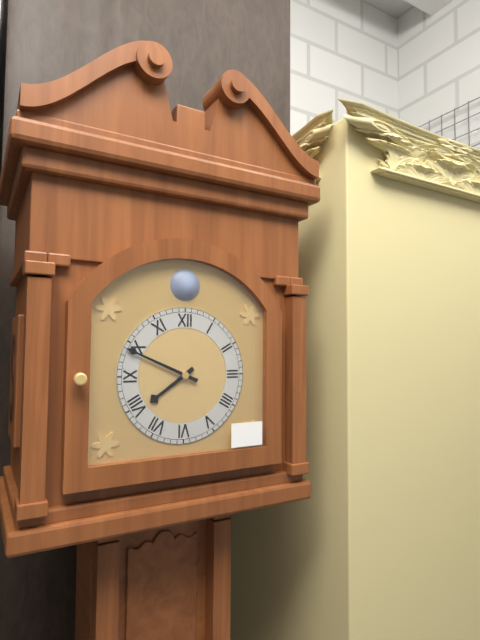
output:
7:49
